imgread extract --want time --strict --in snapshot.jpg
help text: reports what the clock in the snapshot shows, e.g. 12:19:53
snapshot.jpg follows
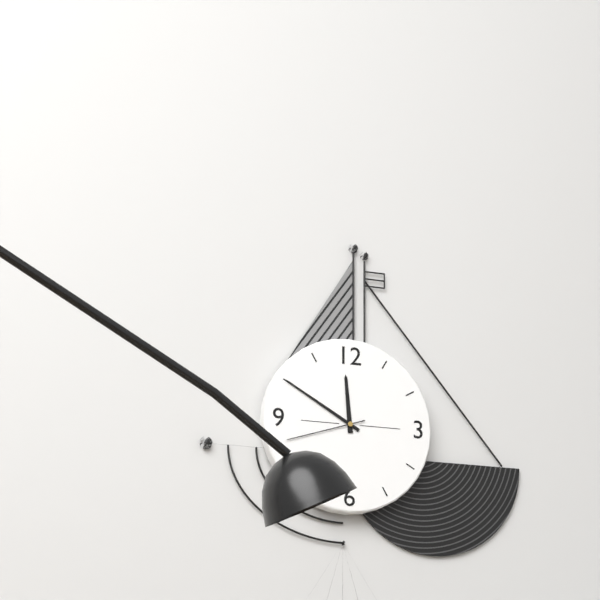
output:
11:50:42
